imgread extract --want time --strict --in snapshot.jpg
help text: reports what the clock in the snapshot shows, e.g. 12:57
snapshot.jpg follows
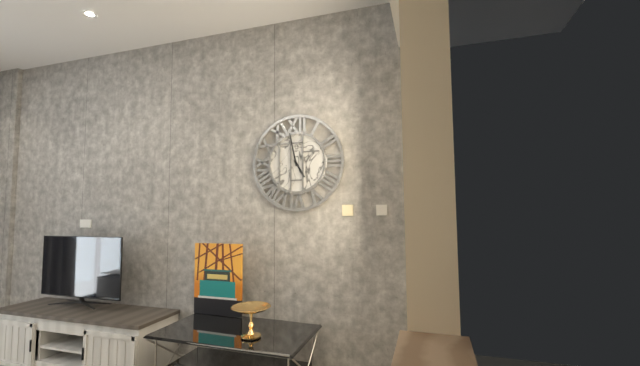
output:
4:58
